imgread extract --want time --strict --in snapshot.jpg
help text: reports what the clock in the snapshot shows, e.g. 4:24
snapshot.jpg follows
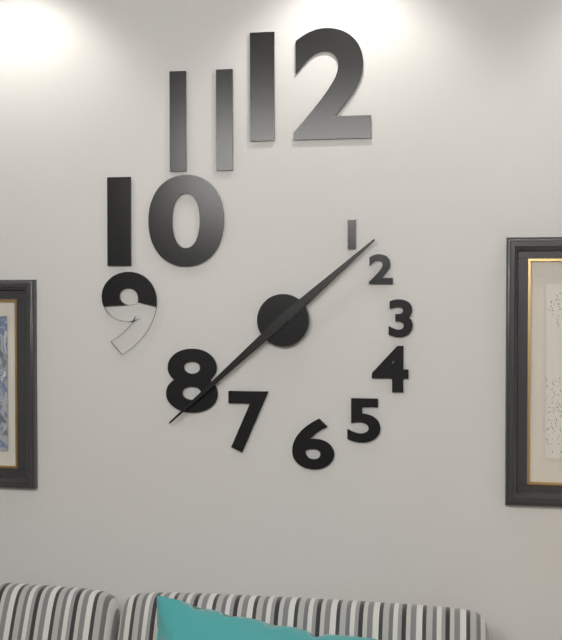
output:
1:38
